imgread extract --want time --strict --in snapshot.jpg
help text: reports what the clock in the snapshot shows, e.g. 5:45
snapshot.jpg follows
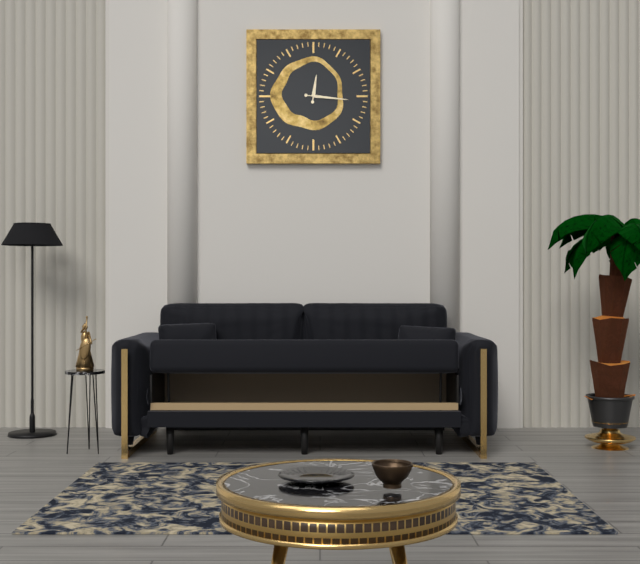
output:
12:16
